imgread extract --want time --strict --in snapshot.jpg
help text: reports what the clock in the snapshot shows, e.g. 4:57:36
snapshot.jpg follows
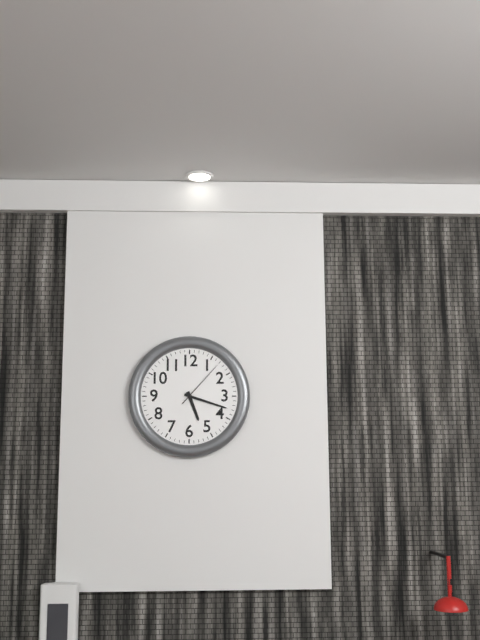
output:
5:18:07
